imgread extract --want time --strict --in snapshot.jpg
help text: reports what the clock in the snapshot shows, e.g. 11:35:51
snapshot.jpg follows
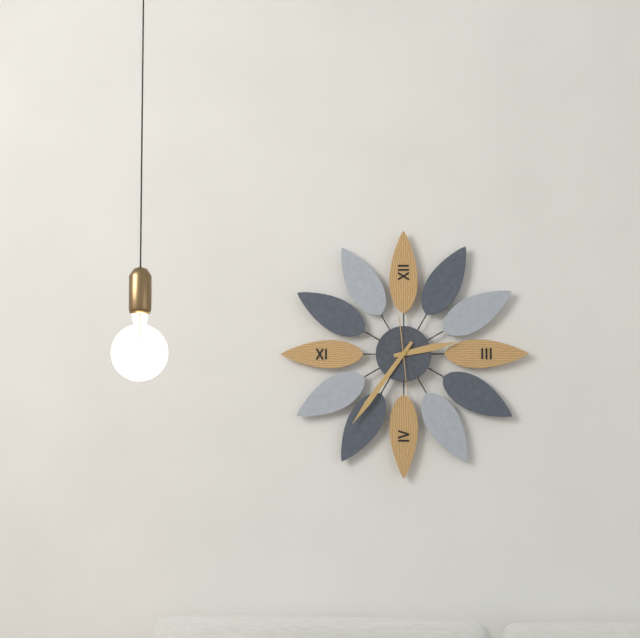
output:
2:36:29
